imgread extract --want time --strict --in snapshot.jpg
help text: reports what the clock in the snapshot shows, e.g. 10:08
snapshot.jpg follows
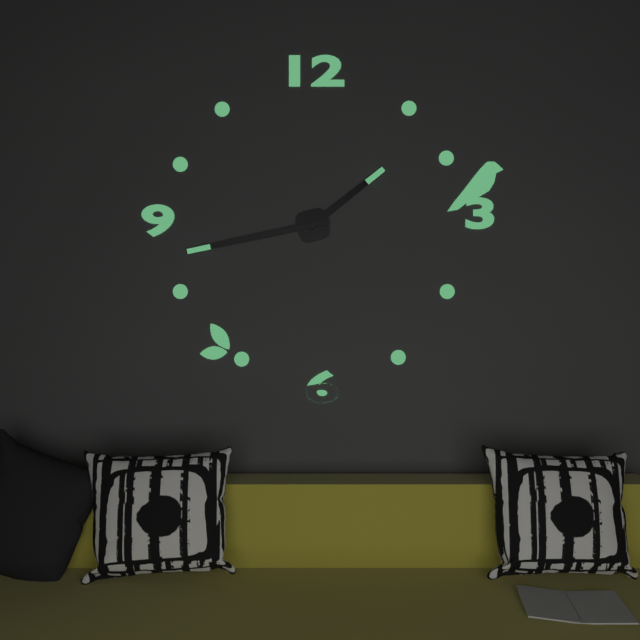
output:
1:43
